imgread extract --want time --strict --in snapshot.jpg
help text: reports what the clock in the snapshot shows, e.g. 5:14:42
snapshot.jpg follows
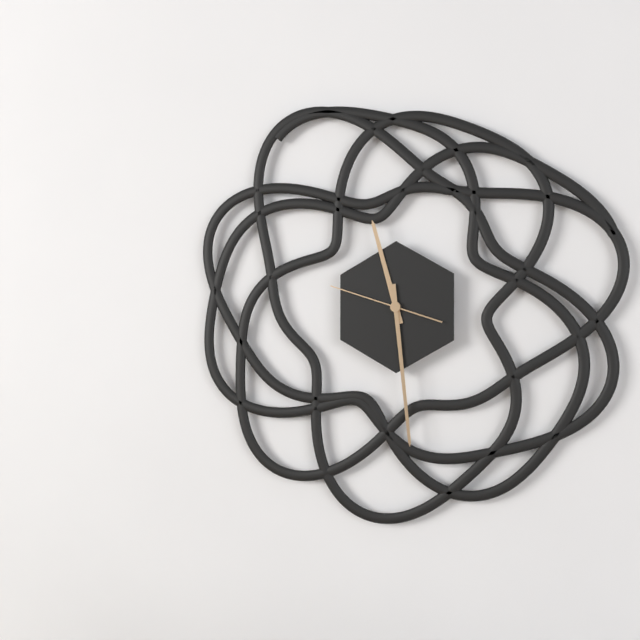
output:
11:29:48
